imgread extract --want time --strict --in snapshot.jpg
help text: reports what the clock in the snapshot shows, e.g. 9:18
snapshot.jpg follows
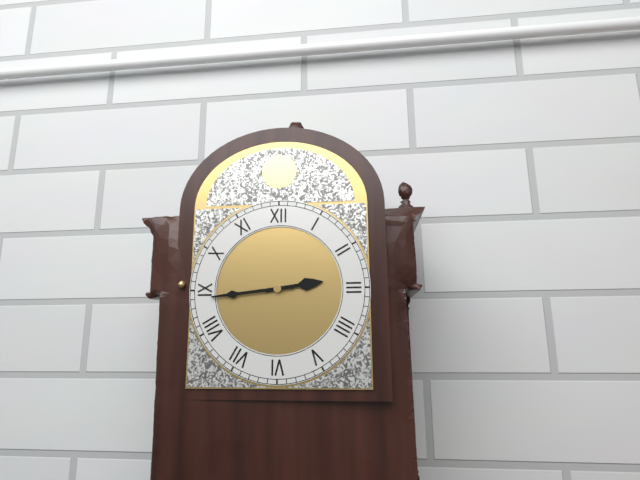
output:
2:44
